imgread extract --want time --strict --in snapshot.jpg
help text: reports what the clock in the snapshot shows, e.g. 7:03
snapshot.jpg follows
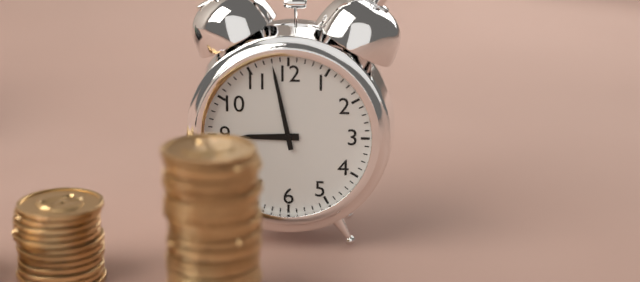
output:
8:58
